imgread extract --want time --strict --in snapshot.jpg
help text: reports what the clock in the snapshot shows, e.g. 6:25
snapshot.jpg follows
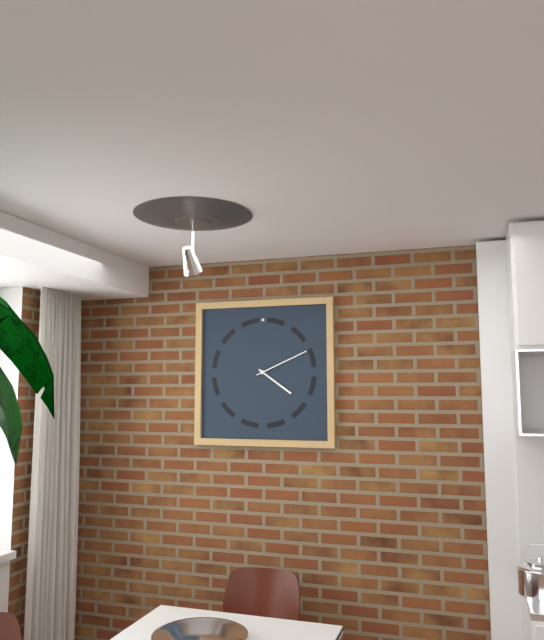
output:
4:11
